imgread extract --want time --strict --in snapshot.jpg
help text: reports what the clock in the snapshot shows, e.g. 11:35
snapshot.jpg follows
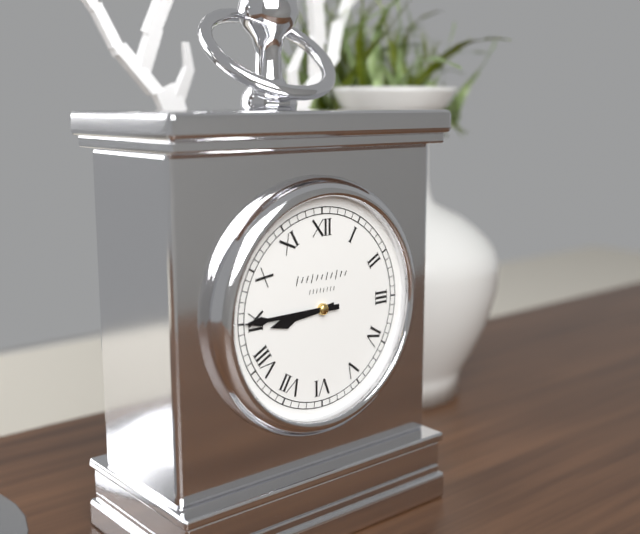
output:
8:45
